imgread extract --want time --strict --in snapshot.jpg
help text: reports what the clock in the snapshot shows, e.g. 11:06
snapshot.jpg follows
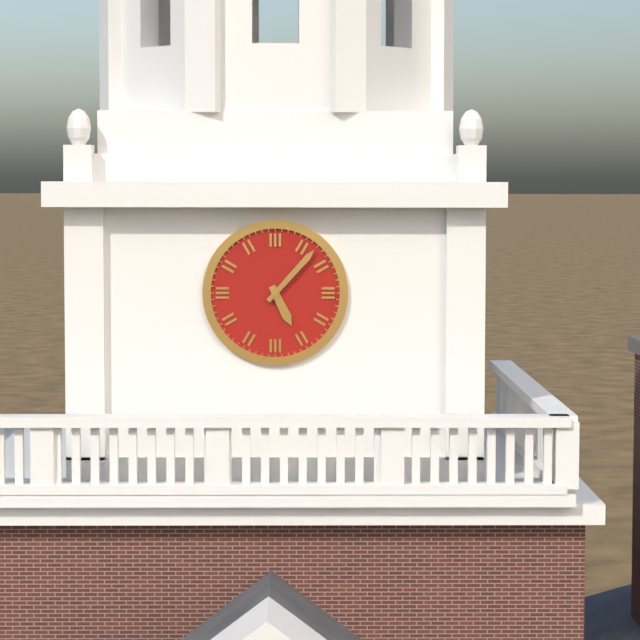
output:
5:07
